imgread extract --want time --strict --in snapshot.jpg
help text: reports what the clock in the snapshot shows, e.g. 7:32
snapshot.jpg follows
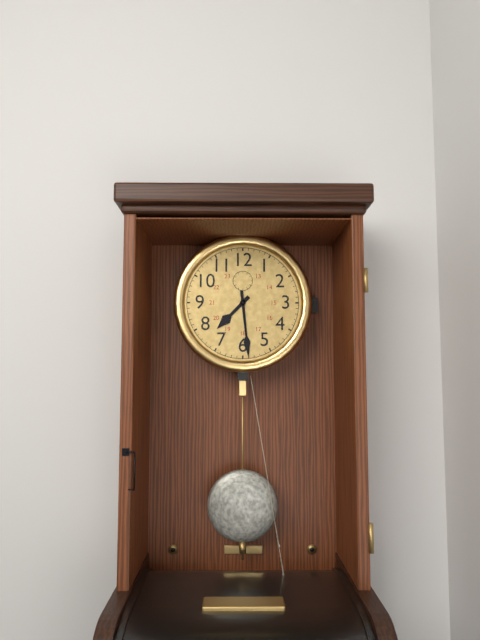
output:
7:29
